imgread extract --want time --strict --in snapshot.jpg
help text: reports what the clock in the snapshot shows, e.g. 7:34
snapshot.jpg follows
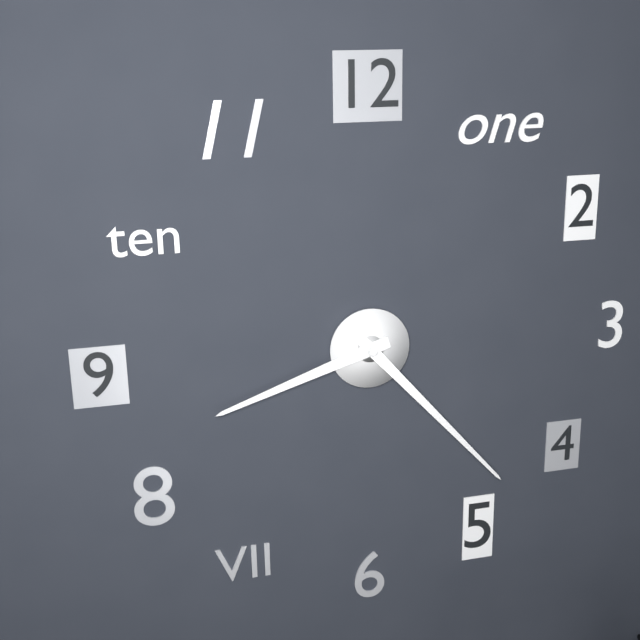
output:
8:23
